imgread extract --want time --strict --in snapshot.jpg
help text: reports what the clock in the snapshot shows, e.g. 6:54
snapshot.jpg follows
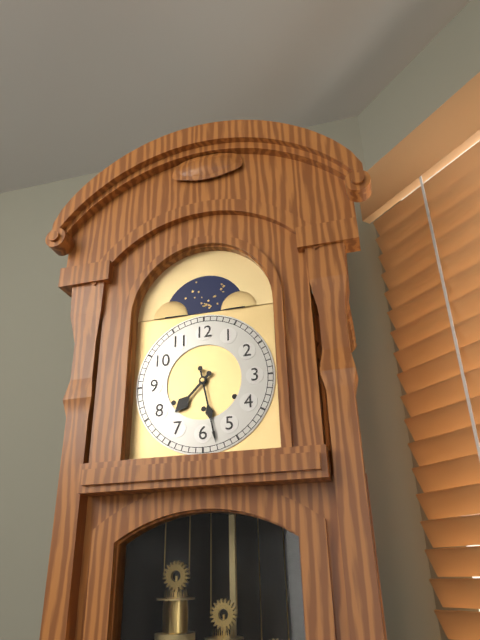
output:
7:28
